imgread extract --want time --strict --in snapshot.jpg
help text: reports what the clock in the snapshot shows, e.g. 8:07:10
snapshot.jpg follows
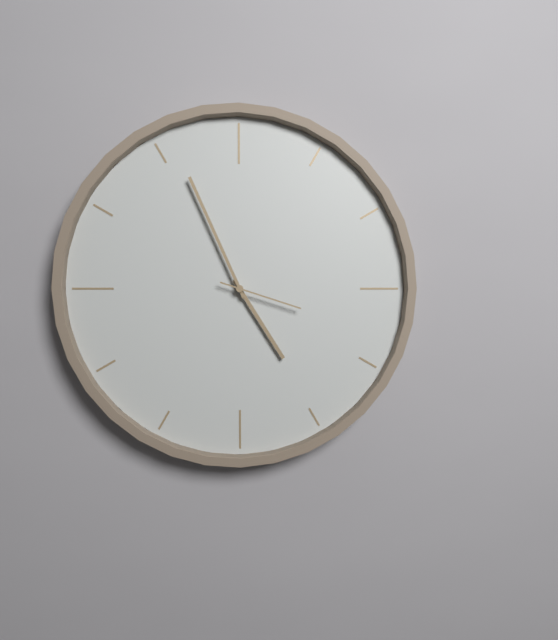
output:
4:56:18
